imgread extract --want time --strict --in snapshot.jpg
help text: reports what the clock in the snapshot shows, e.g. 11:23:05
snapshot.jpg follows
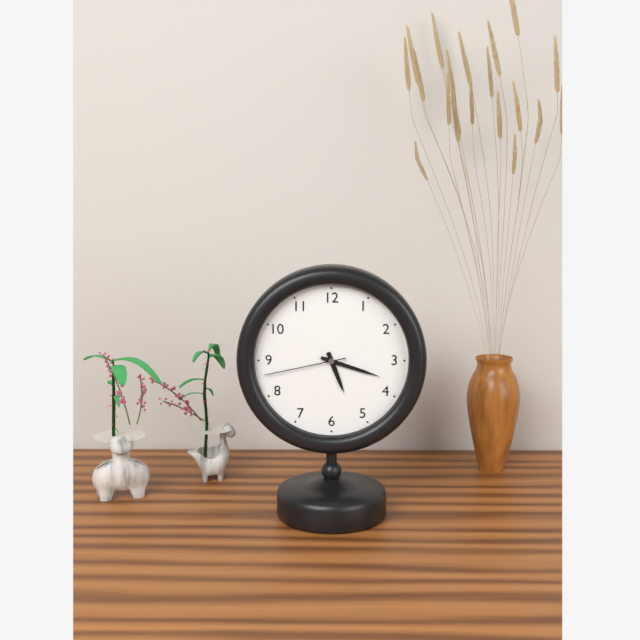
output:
5:18:43
